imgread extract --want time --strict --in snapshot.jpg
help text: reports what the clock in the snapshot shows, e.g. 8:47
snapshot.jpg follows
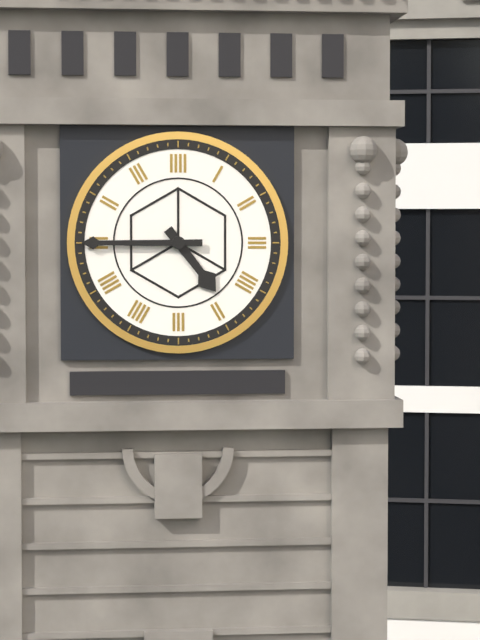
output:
4:45
